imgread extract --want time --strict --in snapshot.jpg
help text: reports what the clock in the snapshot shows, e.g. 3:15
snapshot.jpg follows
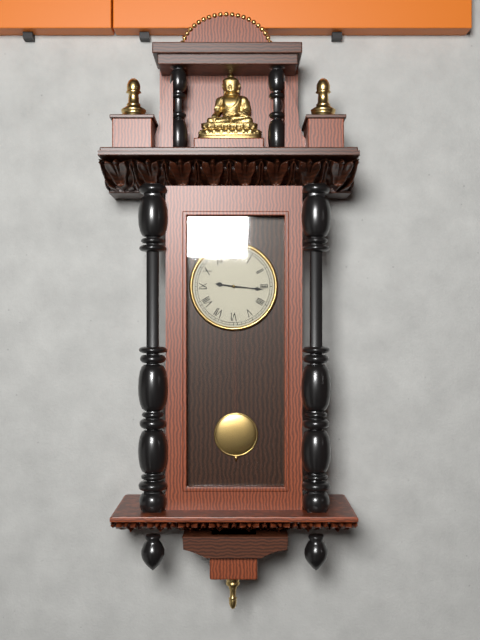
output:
9:16
